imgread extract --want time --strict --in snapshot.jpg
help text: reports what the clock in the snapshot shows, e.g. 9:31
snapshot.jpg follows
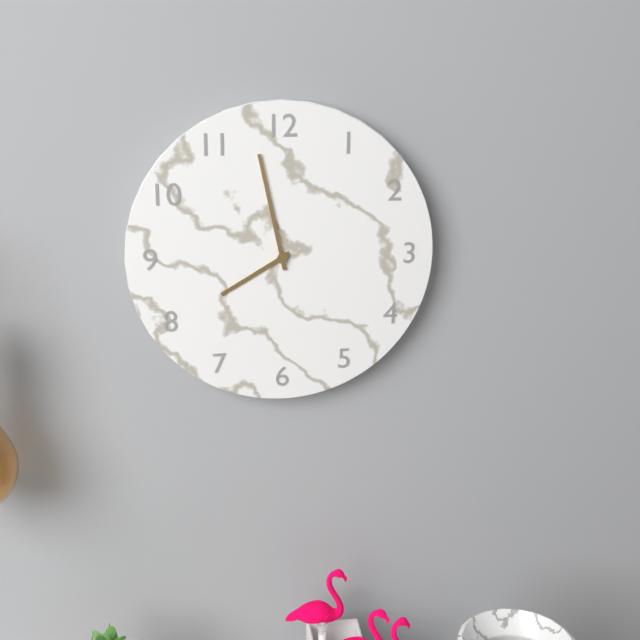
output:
7:58
